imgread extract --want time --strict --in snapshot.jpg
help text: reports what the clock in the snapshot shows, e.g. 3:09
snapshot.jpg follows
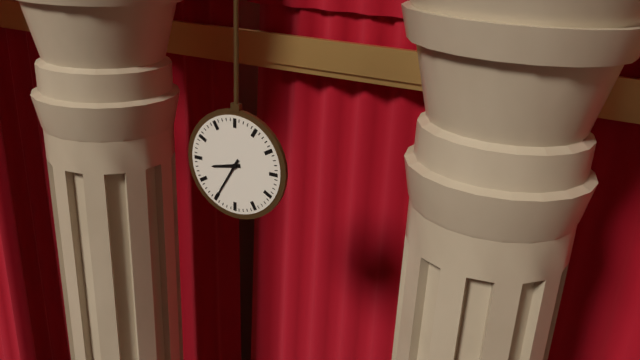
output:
8:35
